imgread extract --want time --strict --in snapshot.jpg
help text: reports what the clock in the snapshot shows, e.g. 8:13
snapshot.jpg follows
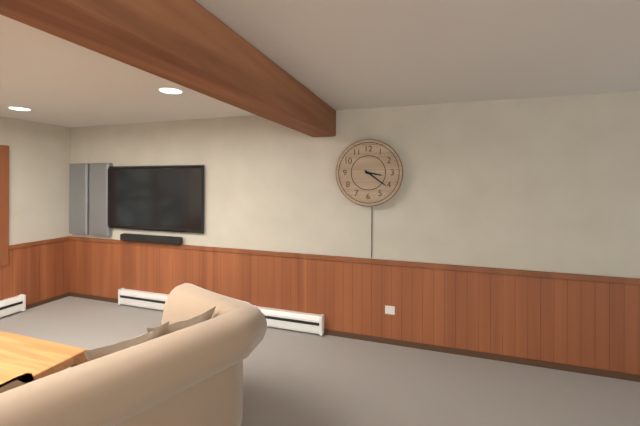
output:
3:21
